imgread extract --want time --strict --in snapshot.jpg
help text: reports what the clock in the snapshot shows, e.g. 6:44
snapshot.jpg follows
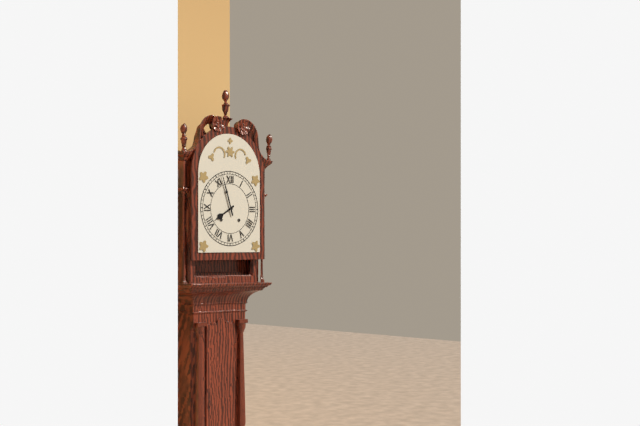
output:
7:57
